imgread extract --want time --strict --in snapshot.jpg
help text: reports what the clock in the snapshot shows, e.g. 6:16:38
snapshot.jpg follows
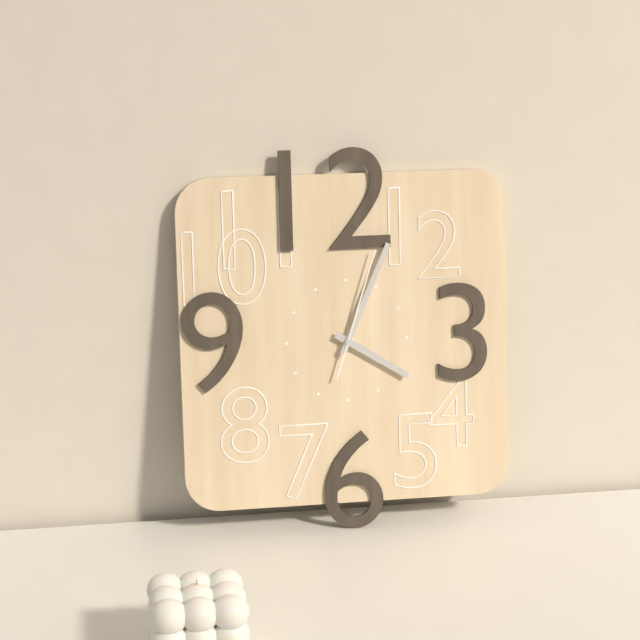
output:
4:04:03
